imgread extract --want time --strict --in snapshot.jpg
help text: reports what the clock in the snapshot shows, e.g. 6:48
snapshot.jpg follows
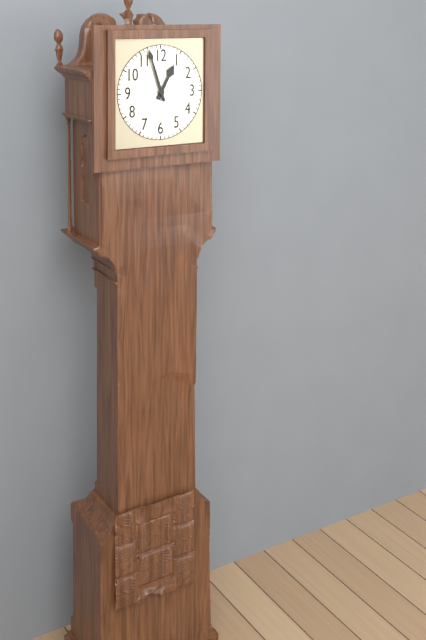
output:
12:57
